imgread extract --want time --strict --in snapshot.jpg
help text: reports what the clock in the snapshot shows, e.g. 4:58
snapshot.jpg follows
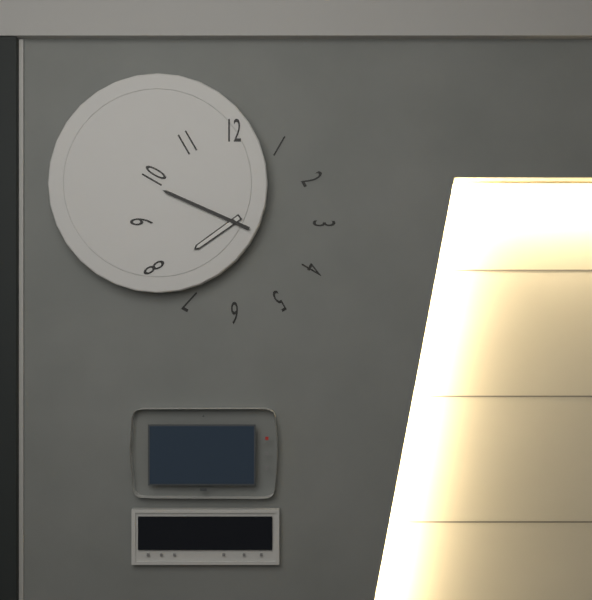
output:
7:49
